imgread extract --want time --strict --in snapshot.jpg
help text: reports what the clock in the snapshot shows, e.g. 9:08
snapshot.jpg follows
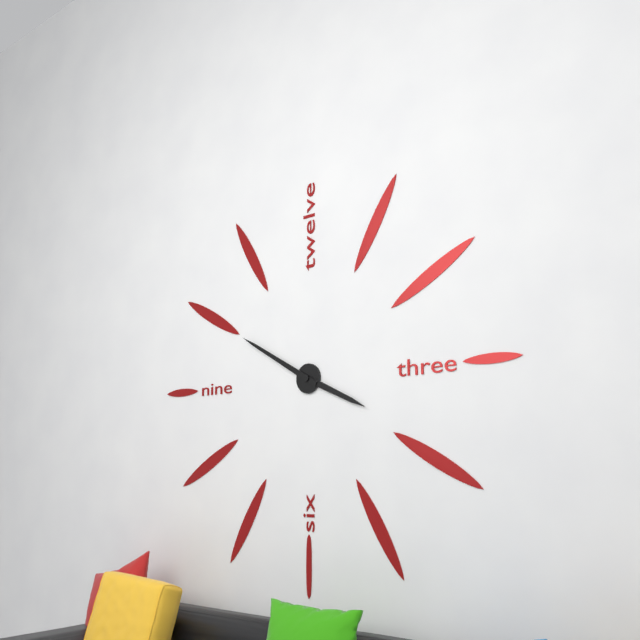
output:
3:50
